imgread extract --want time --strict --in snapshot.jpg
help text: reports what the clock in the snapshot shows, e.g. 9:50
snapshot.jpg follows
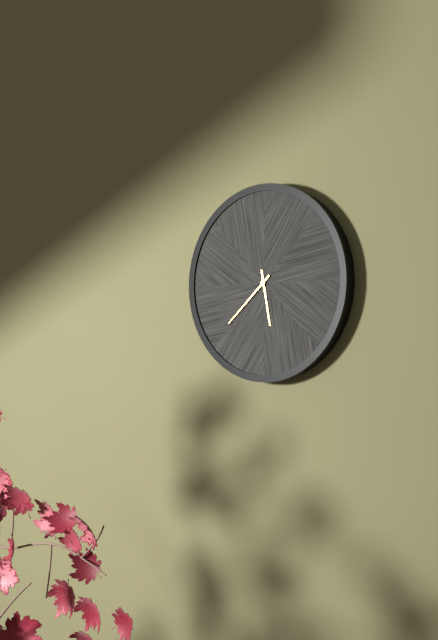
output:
5:38
